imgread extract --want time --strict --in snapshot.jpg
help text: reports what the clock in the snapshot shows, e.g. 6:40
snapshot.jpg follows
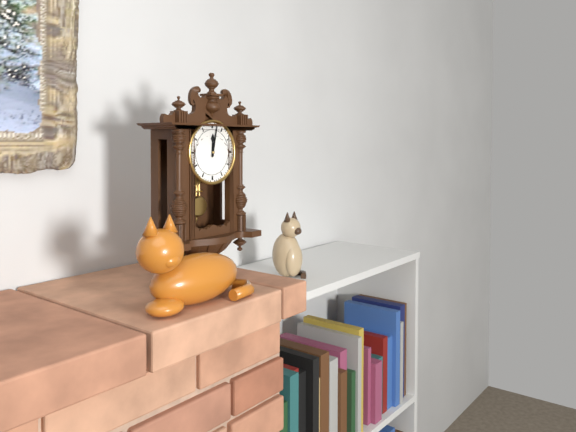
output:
12:02
